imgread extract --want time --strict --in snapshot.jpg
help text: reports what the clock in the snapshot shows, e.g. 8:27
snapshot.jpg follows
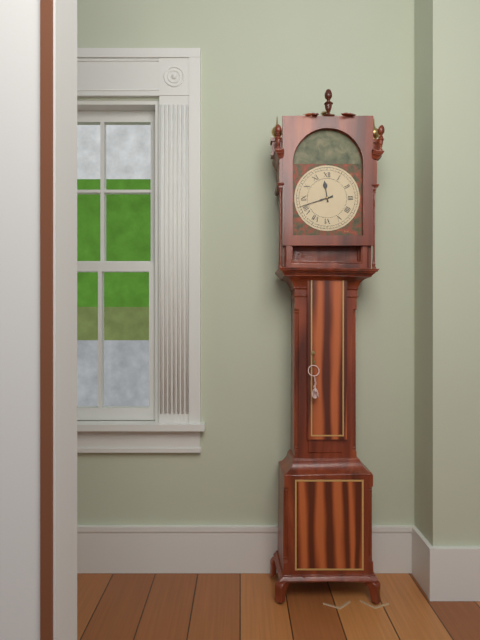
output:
11:42
